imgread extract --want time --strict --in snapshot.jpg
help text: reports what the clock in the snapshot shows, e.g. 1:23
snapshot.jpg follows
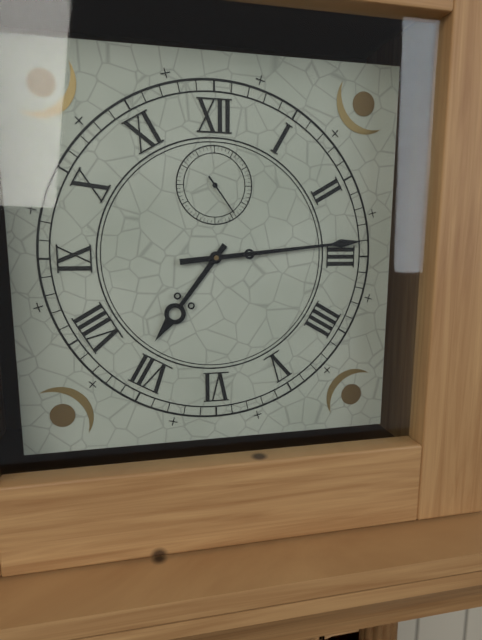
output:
7:14
